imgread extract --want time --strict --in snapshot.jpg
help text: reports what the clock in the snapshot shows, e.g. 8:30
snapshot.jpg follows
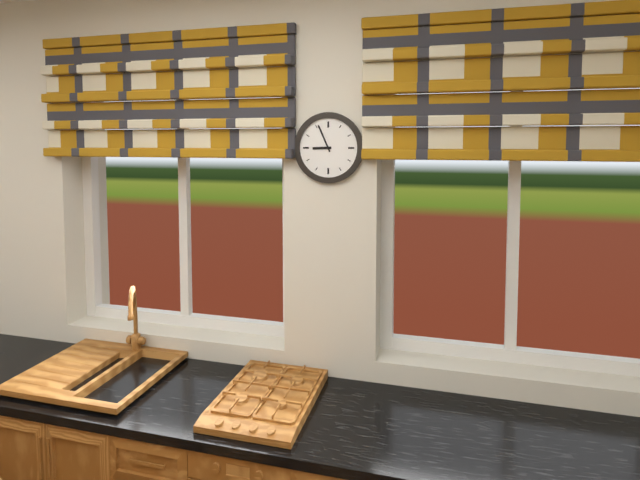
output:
8:56
